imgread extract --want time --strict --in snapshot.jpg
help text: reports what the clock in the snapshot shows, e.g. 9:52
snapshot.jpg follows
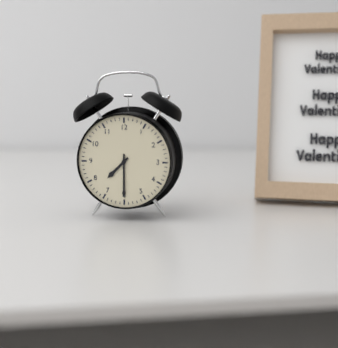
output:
7:30
